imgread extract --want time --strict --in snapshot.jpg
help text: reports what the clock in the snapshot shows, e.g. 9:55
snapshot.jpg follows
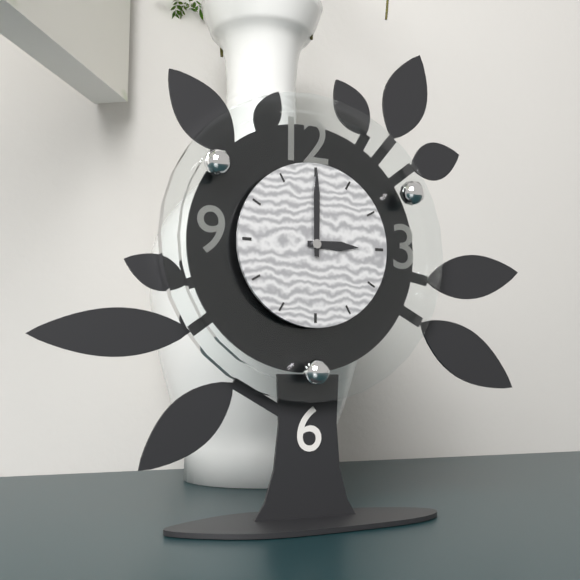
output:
3:00
